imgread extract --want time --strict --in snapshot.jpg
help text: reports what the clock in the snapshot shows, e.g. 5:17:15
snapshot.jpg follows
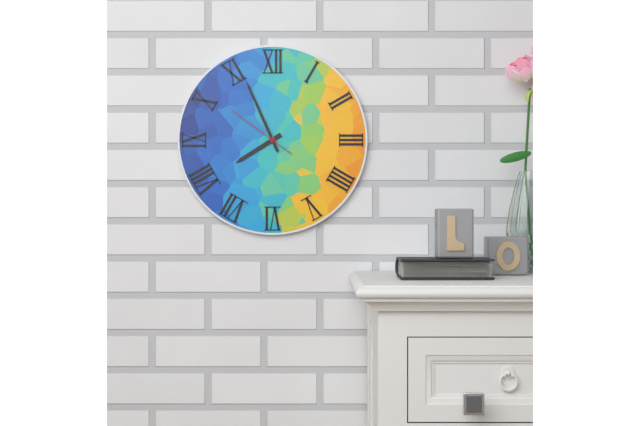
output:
7:56:51
